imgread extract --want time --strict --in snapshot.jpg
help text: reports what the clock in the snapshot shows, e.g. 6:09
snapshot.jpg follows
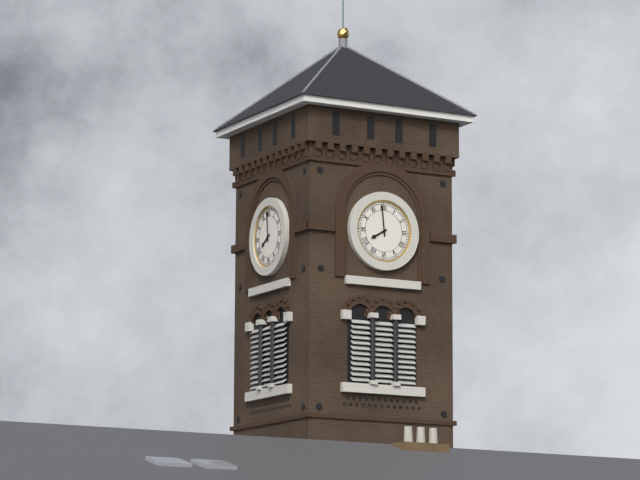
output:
7:59
